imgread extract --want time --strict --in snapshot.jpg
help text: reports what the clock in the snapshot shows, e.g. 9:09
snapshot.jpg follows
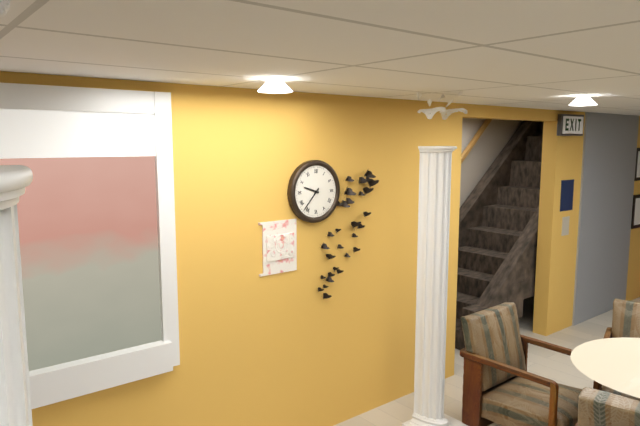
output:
9:37
